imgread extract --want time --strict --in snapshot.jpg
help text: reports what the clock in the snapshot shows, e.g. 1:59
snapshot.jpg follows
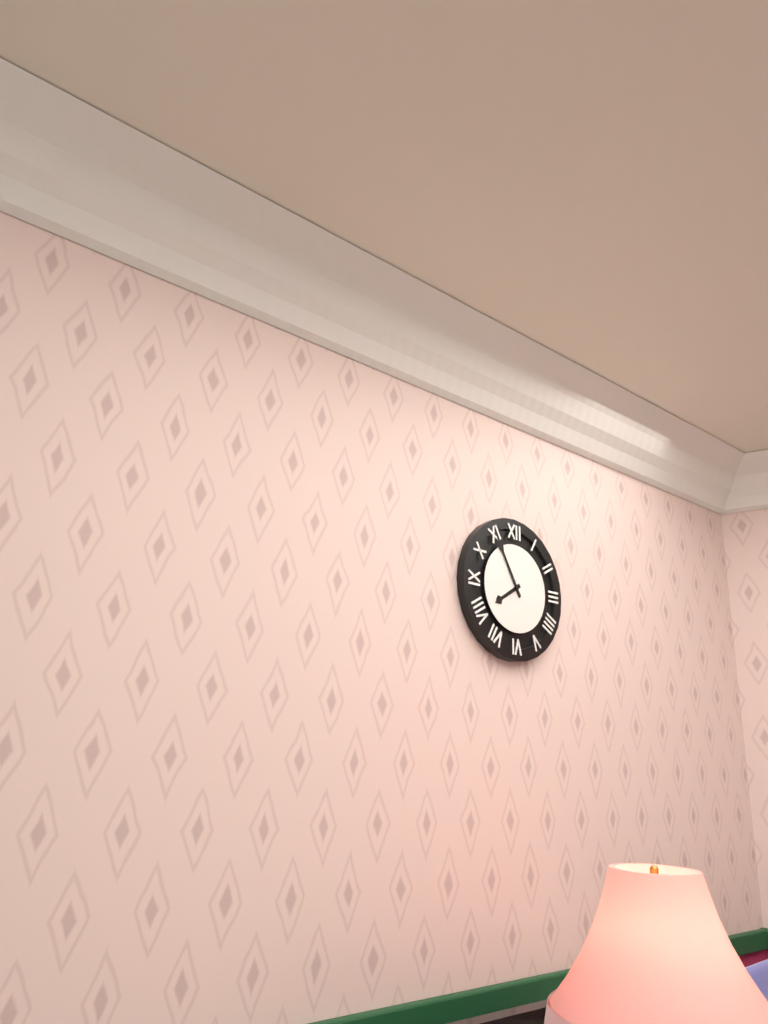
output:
7:55
